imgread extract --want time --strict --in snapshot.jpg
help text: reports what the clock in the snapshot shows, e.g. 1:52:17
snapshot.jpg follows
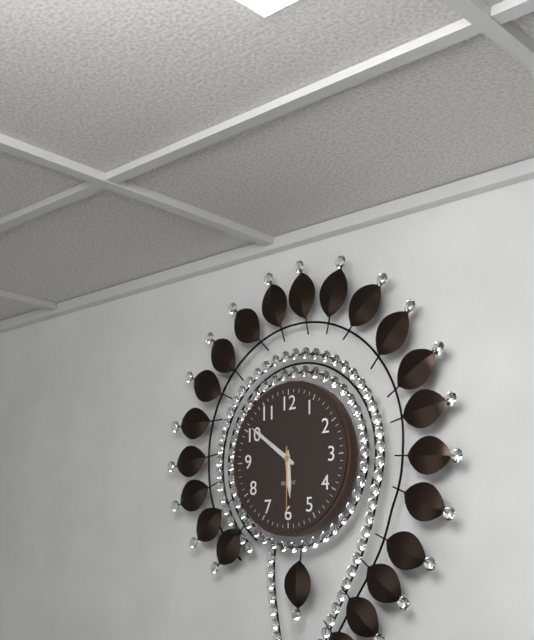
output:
5:51:30
